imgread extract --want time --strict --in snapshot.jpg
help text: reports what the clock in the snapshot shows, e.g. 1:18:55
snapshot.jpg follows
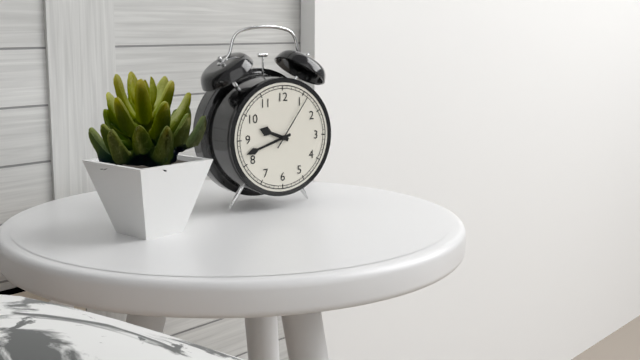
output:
9:42:06
